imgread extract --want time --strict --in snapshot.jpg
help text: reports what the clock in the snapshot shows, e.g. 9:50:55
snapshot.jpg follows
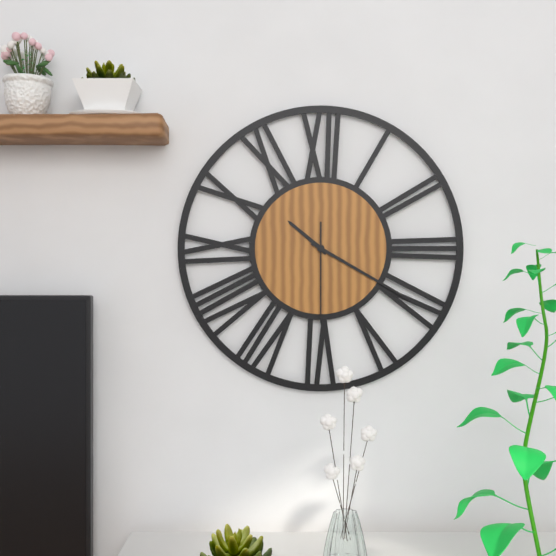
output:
10:20:30
